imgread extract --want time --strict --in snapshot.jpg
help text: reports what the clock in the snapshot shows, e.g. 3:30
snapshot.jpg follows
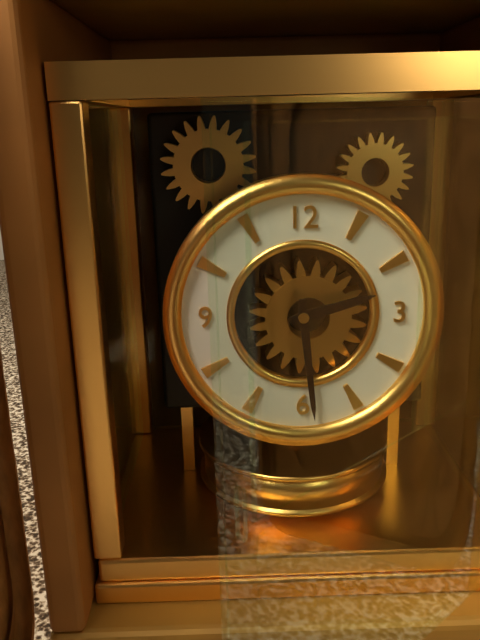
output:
2:29
